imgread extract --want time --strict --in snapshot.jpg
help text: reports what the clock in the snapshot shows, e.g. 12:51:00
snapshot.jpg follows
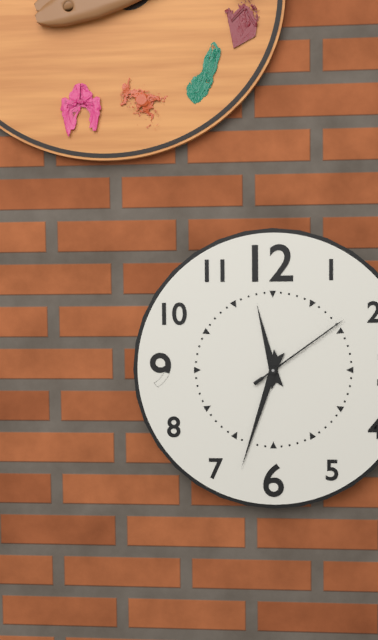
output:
11:33:09
